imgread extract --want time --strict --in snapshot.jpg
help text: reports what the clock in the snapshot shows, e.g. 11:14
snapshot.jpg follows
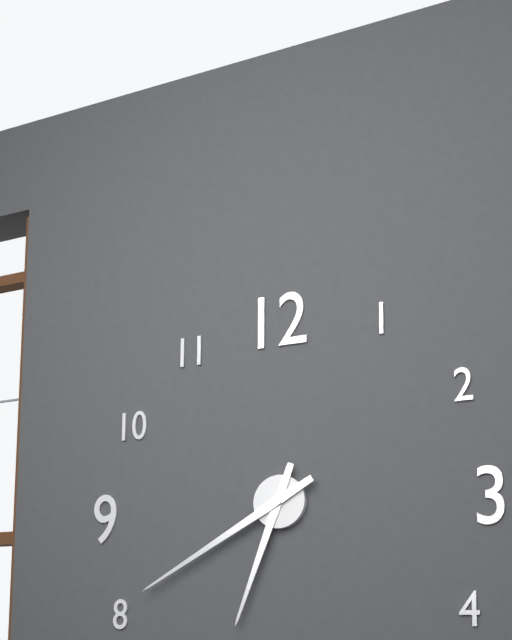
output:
6:40
